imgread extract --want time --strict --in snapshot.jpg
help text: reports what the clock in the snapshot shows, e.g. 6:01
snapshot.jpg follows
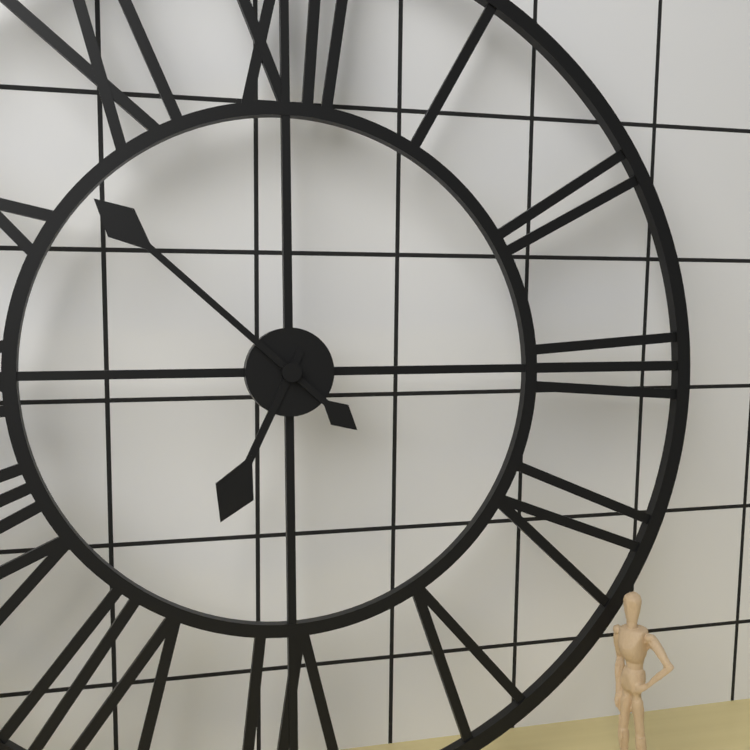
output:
6:52
